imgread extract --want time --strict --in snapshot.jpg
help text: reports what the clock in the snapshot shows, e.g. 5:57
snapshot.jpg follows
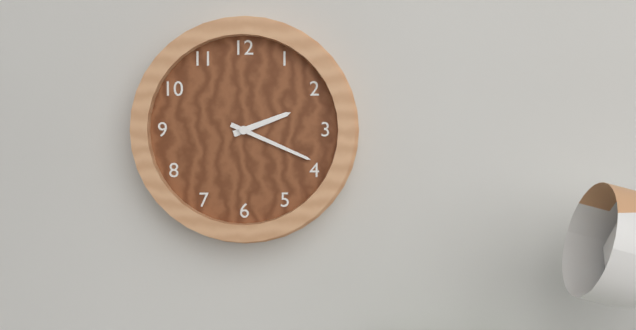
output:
2:19
